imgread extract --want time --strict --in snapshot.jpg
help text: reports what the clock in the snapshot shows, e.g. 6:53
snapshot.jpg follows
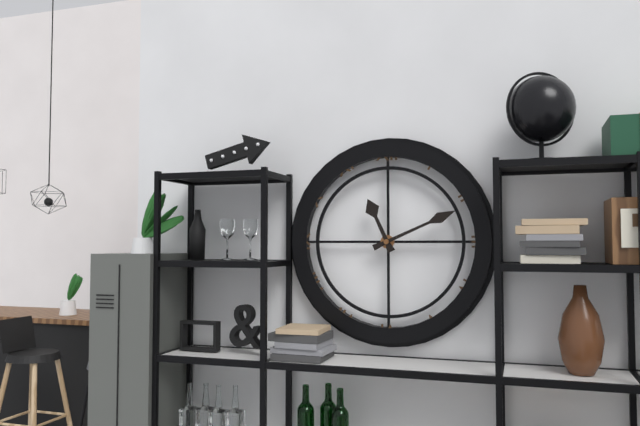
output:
11:11
